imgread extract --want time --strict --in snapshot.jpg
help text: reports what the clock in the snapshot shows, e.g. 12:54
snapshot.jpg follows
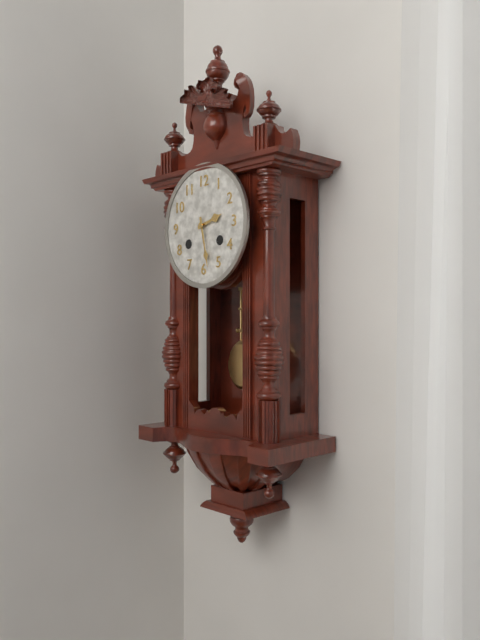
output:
2:28
